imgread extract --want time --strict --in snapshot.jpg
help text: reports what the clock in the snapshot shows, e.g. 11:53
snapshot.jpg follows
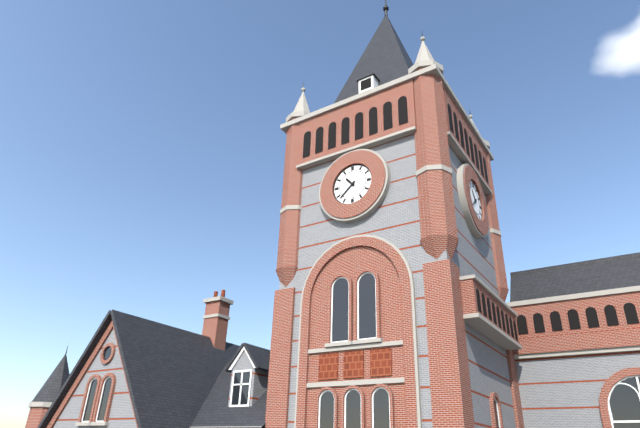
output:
10:38
